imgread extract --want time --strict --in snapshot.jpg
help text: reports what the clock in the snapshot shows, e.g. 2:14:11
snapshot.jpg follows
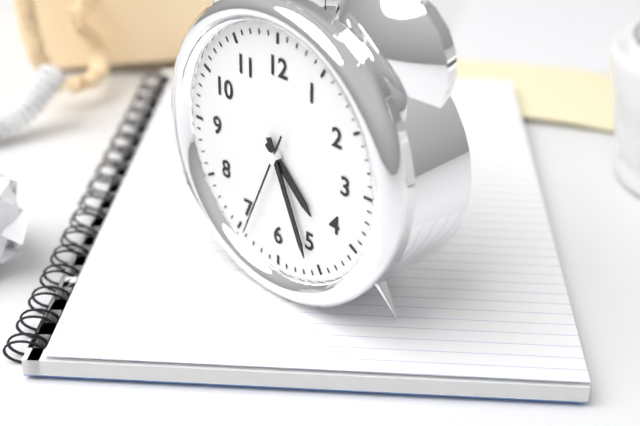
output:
4:26:34
